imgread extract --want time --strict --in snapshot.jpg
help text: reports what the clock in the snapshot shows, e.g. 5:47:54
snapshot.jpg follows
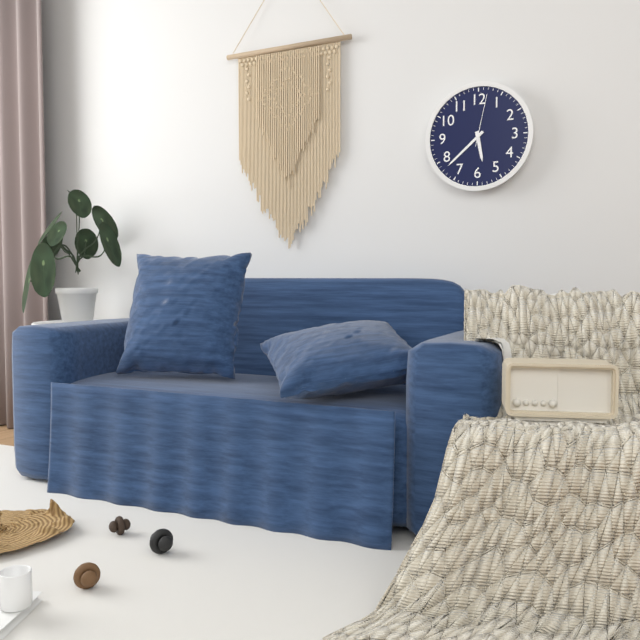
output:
5:38:02
